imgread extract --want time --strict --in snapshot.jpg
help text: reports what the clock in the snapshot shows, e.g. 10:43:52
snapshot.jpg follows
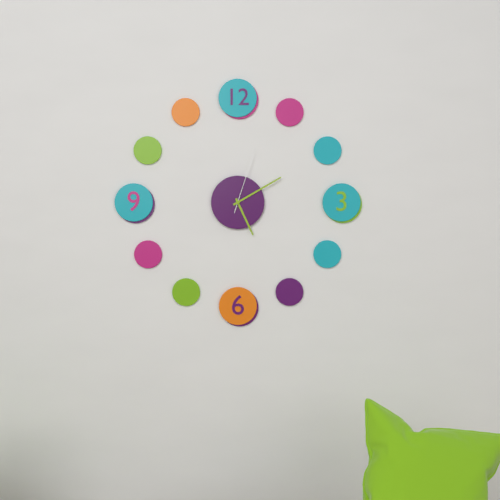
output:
5:10:03
